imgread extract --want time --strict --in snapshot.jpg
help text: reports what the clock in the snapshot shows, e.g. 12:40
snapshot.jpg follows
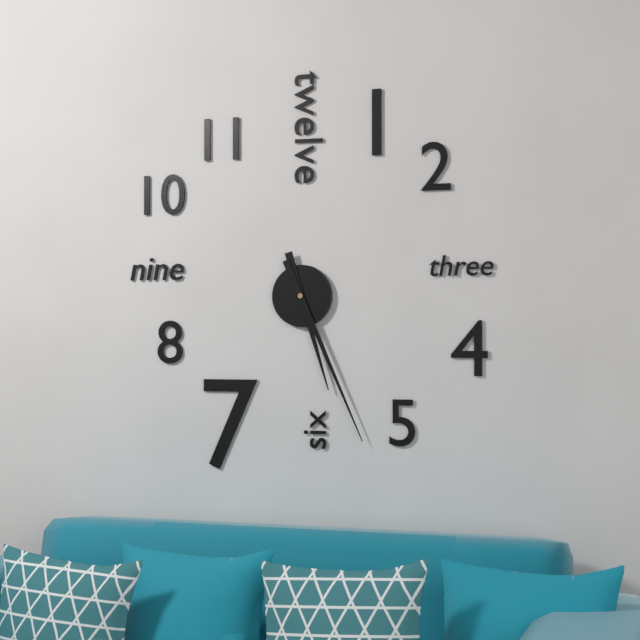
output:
5:26
